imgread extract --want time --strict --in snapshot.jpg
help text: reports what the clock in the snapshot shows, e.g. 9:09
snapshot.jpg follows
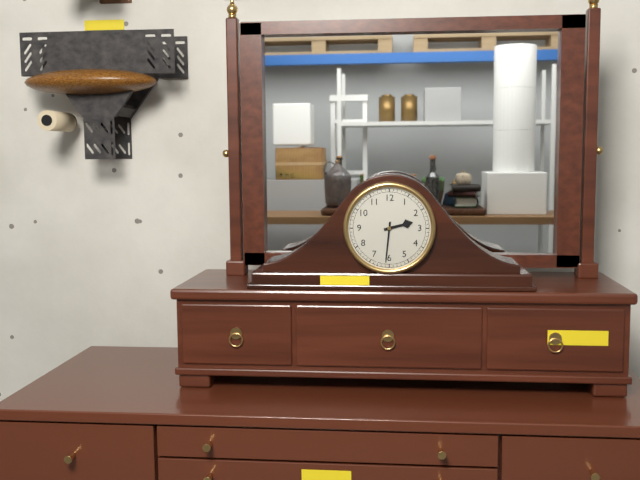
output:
2:31
